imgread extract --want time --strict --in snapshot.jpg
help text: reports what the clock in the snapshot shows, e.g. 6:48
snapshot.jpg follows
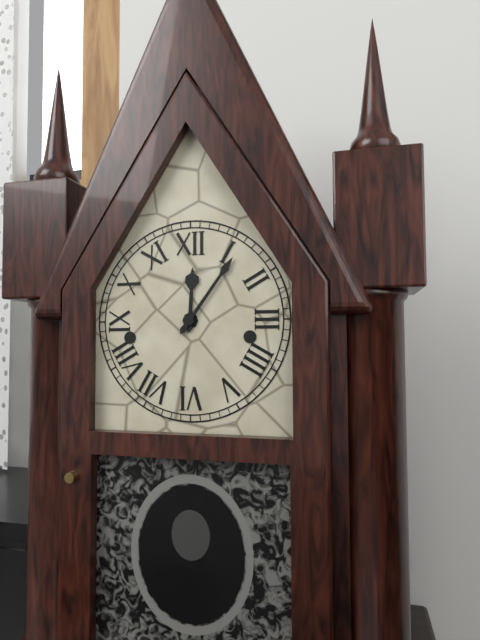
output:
12:06
